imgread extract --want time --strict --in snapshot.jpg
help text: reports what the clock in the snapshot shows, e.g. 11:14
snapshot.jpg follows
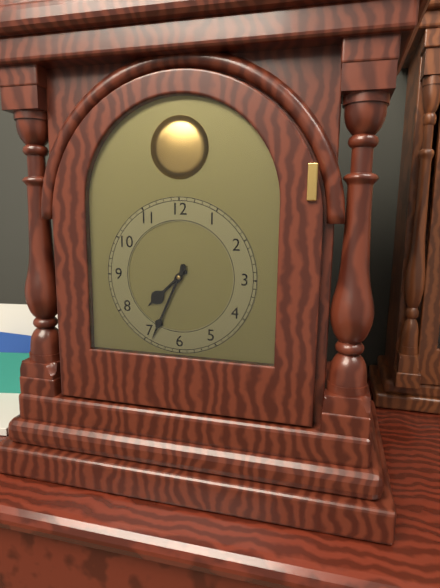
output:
7:34
